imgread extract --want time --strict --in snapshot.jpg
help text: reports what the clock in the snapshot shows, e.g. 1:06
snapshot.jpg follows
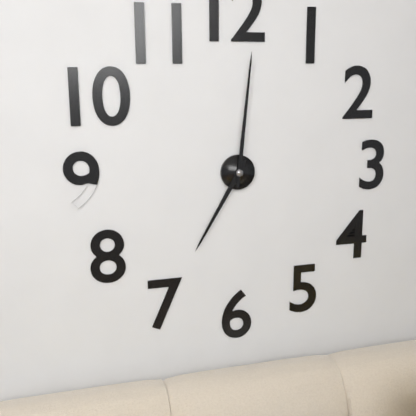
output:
7:01
